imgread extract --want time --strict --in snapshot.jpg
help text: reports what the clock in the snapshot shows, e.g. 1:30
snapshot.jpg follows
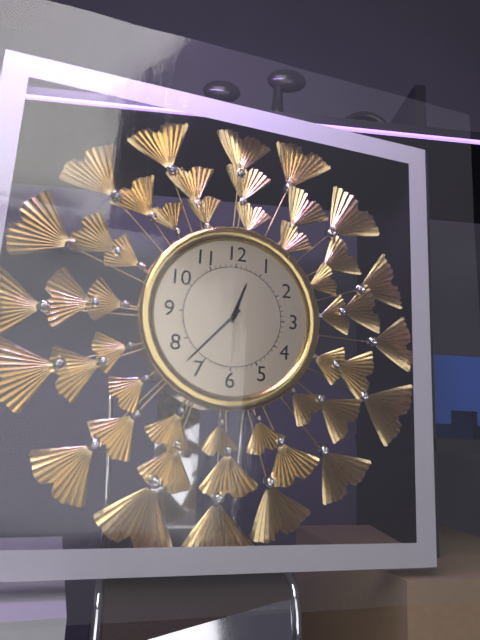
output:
12:37
